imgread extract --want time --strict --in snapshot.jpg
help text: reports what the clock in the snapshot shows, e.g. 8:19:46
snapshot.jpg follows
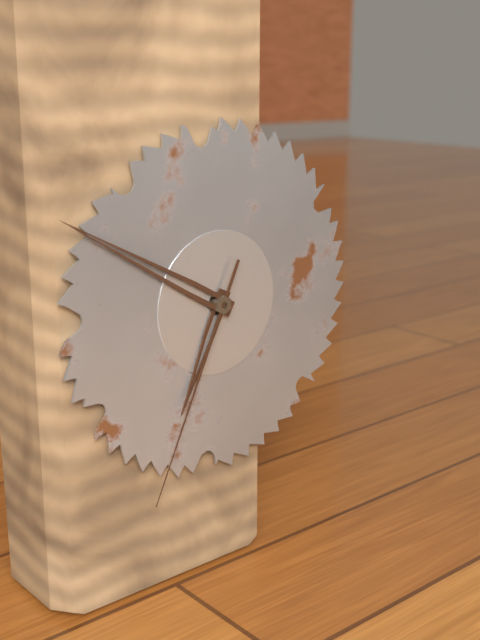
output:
6:50:34
